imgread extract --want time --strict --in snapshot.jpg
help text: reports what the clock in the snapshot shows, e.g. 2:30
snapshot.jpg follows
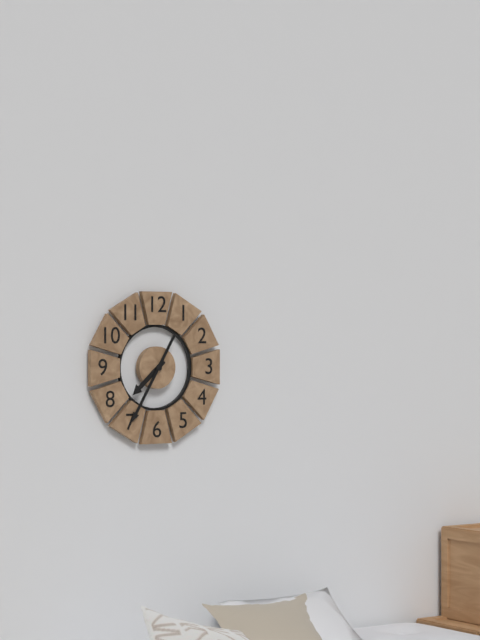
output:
7:35
